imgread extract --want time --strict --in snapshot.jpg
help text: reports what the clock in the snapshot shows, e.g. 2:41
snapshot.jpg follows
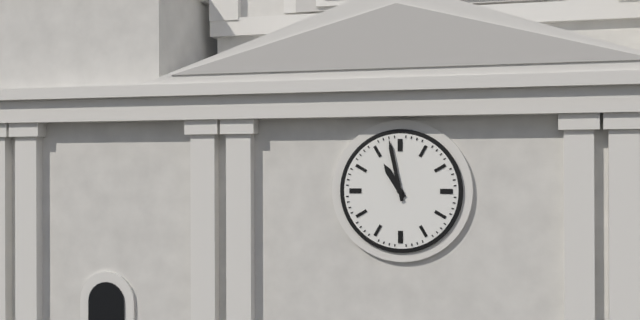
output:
10:58
